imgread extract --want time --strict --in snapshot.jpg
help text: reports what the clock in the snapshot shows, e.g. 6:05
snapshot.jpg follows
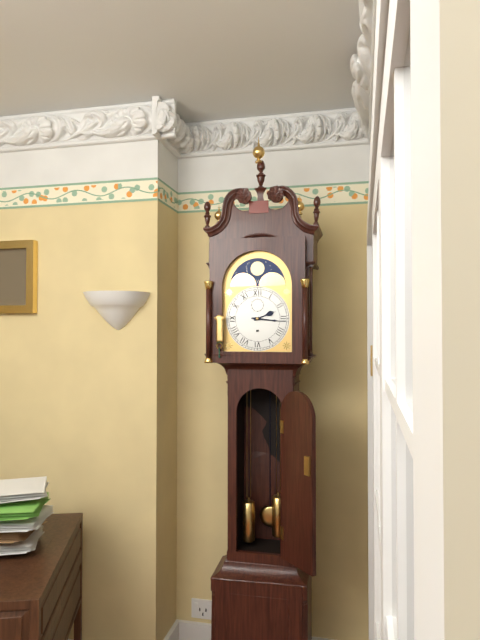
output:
2:16
